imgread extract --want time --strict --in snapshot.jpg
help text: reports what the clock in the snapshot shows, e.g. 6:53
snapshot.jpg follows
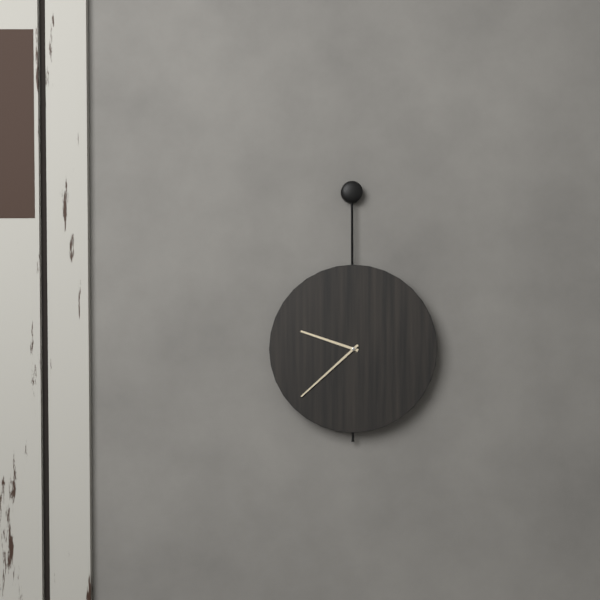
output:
9:38
